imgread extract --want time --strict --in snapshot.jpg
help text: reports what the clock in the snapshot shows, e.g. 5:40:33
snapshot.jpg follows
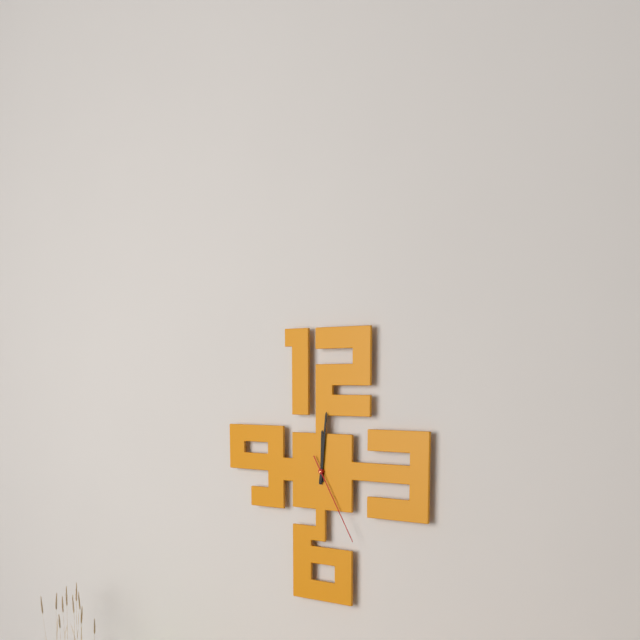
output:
12:01:25
